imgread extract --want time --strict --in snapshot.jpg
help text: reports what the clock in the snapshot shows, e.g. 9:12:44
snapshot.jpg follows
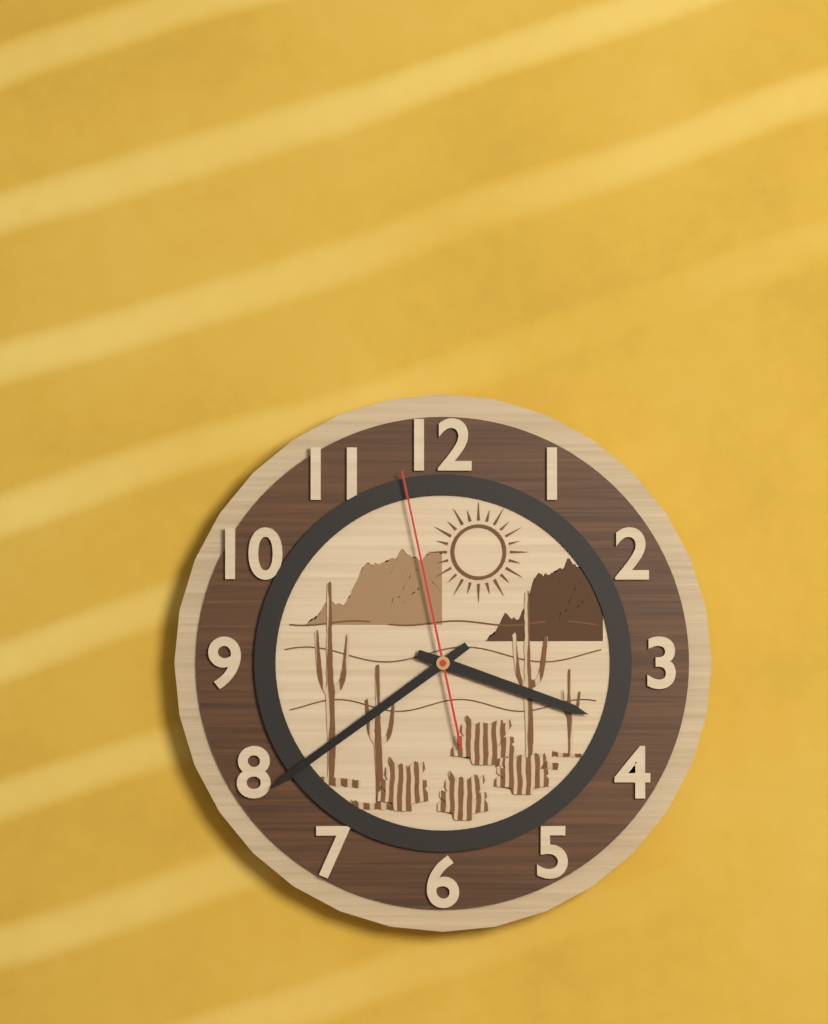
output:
3:39:58
